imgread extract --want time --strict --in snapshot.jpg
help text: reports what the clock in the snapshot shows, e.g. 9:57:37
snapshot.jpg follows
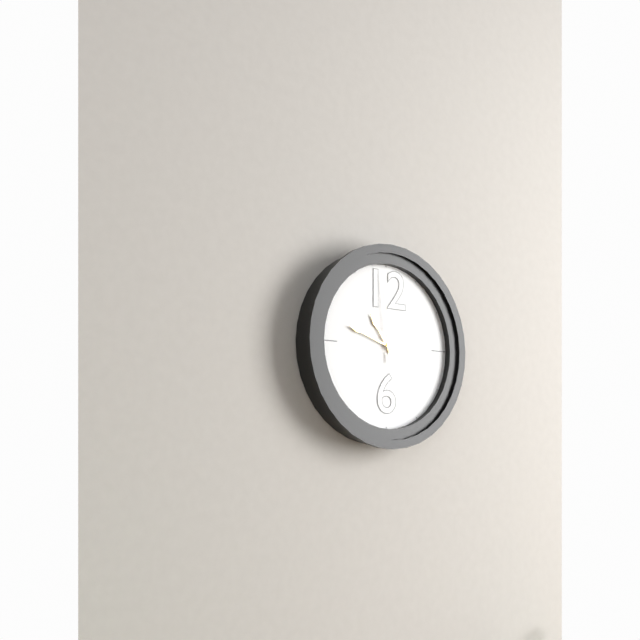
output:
10:48:59
